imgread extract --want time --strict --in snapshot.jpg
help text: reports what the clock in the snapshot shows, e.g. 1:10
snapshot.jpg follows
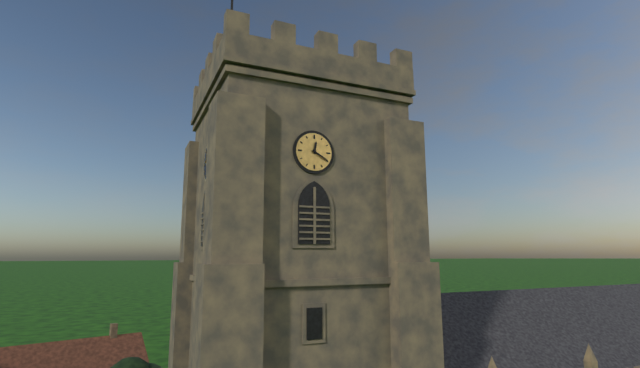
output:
12:20
